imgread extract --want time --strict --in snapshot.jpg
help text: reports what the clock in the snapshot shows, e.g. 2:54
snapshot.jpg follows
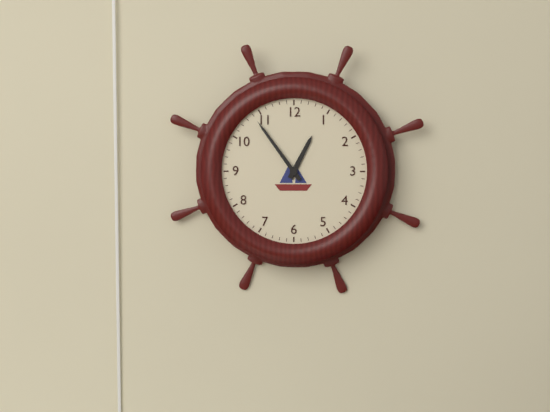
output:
12:54
